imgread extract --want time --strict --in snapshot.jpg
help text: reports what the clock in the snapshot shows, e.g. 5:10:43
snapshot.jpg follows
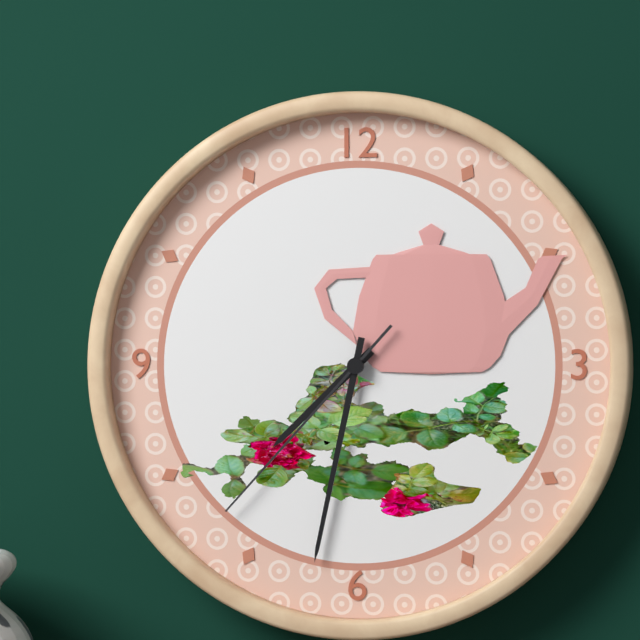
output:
7:32:37
